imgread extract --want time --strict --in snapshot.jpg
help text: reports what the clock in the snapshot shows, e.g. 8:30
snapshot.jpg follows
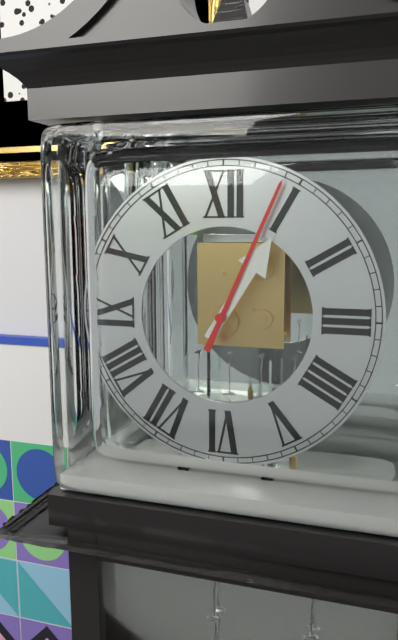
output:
1:04
